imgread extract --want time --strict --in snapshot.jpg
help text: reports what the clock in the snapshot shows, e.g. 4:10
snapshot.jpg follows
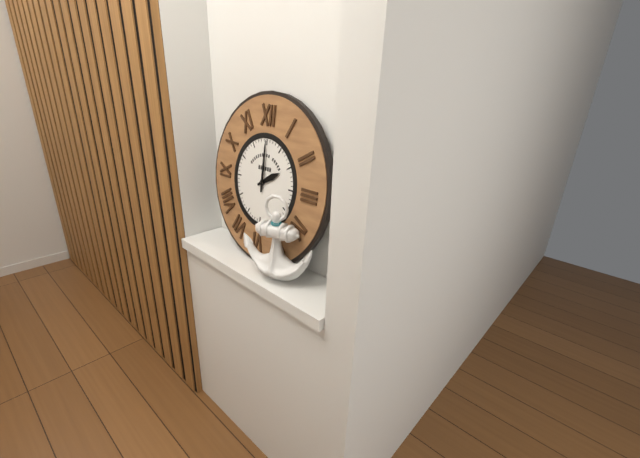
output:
2:00
